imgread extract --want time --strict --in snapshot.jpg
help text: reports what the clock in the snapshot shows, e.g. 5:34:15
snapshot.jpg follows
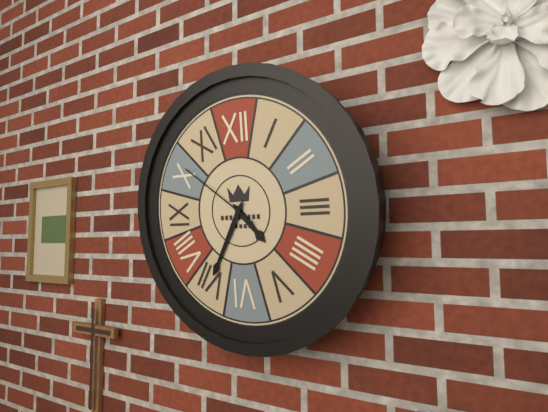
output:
4:35:51
